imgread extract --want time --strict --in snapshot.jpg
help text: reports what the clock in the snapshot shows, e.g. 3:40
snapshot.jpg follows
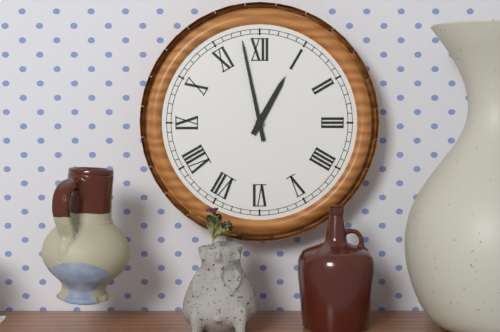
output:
12:58
